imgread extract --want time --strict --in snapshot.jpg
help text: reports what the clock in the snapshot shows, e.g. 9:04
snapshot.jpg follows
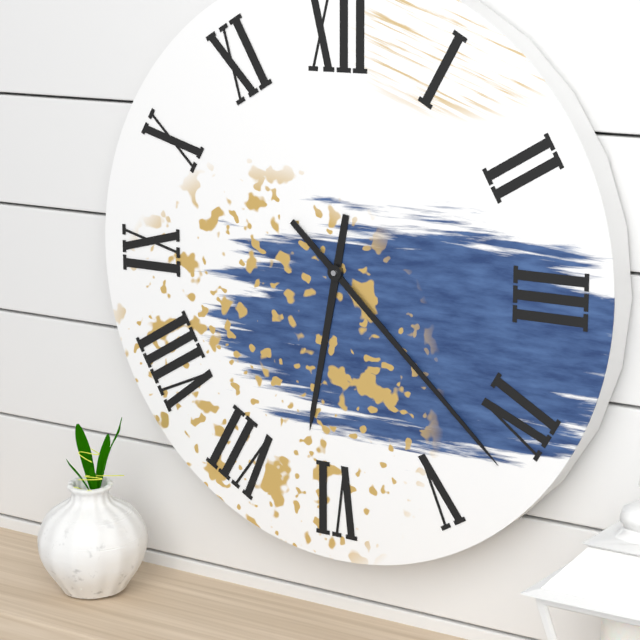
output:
6:22
